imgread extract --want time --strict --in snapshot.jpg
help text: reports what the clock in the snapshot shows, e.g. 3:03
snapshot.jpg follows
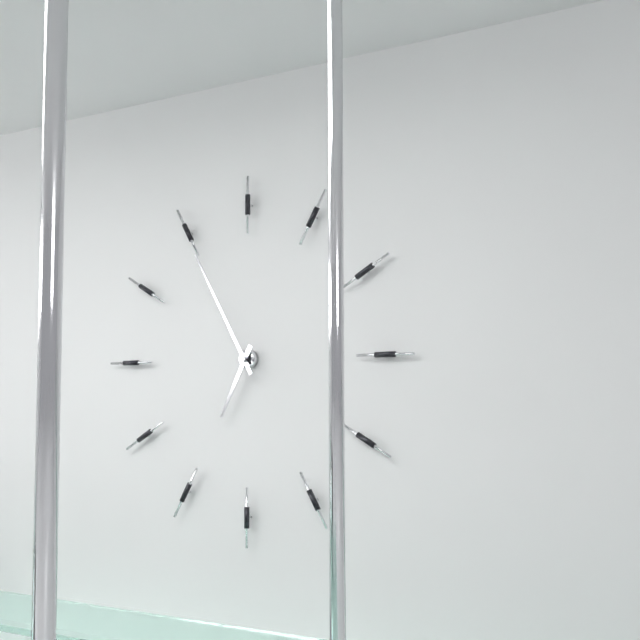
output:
6:55
